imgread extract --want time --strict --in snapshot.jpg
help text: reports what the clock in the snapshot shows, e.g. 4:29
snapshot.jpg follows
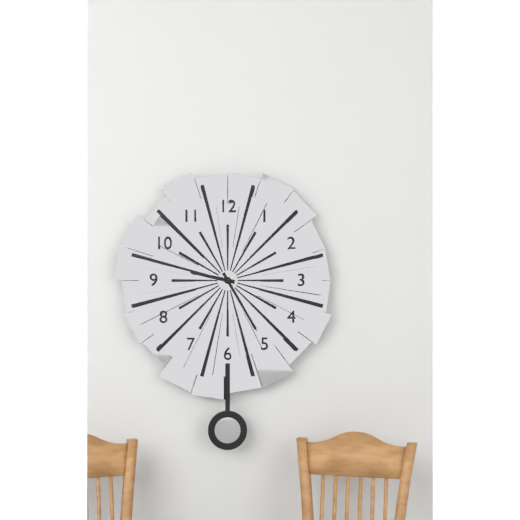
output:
9:25
